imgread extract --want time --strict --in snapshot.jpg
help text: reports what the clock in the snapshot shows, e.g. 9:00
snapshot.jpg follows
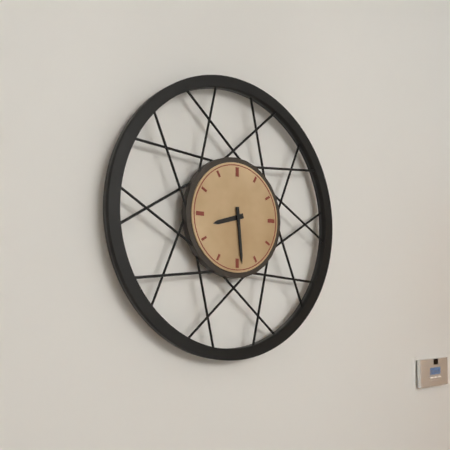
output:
8:29
